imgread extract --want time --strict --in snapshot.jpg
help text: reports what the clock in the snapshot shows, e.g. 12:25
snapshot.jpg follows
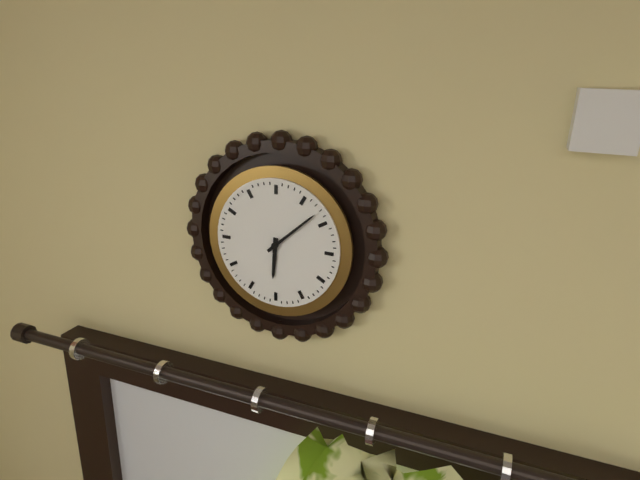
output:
6:08
